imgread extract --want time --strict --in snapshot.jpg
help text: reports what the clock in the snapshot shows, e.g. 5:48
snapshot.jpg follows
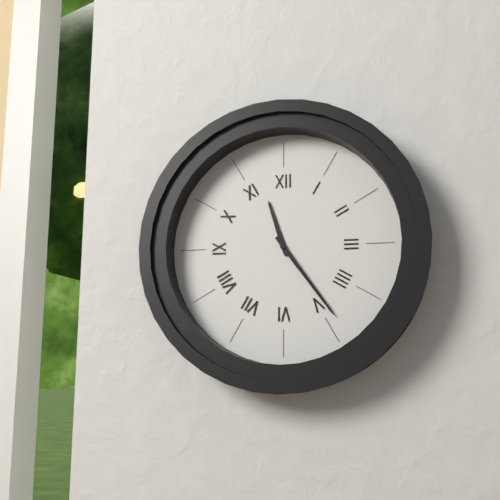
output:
11:24
